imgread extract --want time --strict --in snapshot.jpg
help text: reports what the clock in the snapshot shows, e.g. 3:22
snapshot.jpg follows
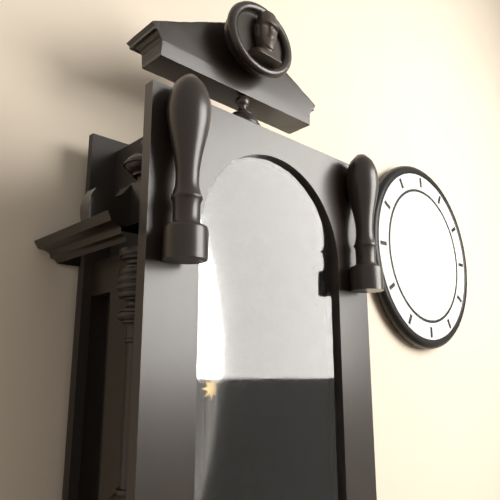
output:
3:59
